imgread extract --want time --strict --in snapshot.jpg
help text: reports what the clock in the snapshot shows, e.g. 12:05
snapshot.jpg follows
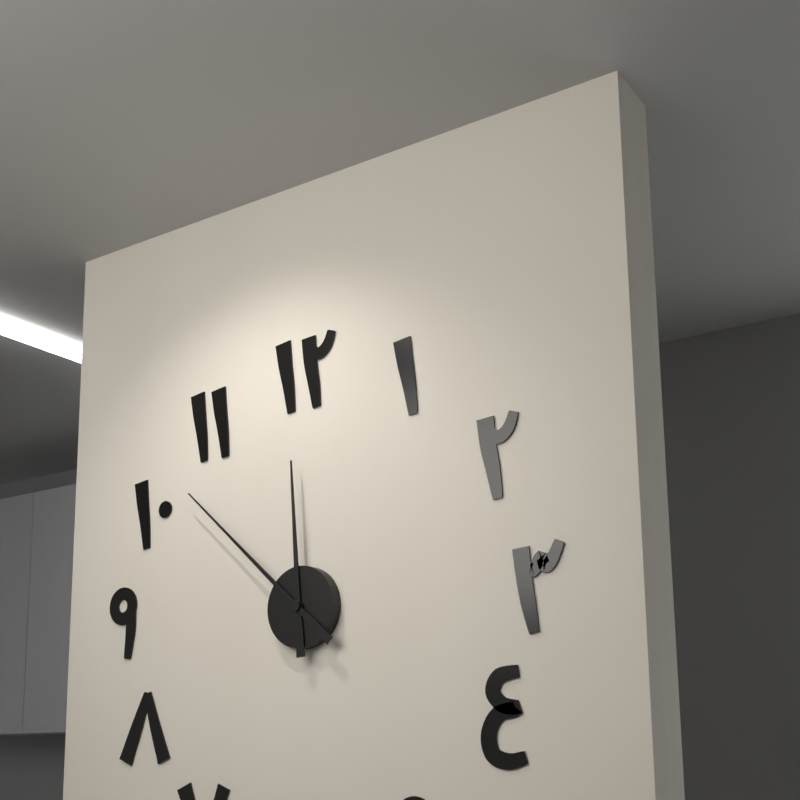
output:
11:52
